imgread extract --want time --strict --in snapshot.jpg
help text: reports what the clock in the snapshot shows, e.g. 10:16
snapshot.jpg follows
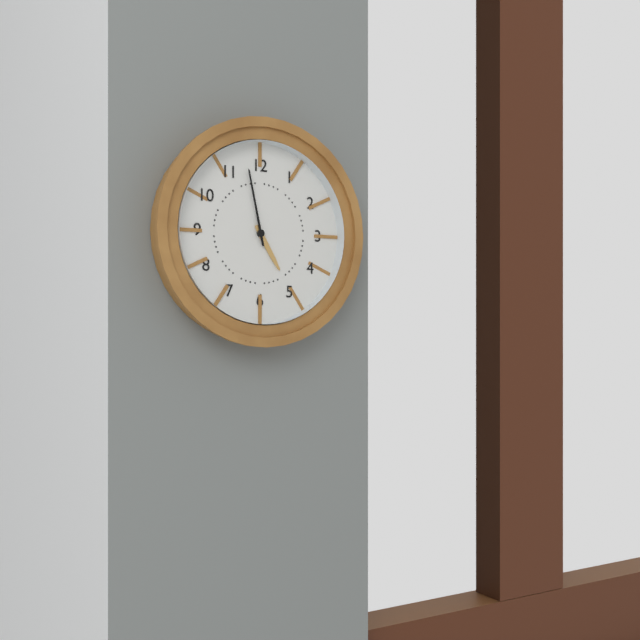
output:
4:58
